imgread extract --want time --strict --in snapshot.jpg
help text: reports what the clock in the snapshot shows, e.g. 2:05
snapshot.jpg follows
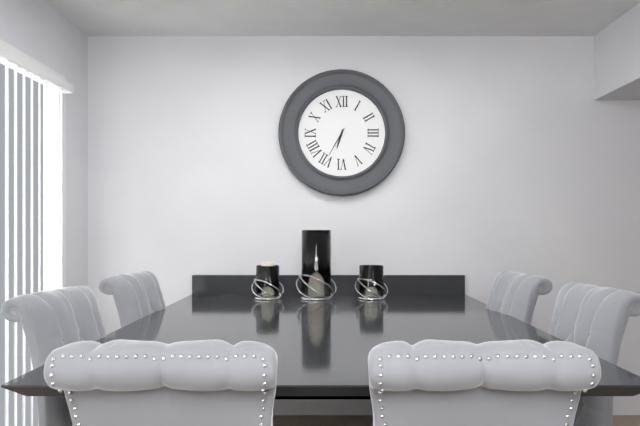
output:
6:35
